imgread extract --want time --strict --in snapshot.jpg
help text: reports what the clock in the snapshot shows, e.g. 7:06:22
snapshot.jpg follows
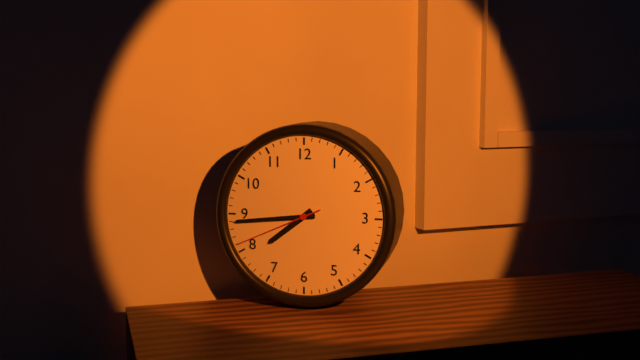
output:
7:44:41
